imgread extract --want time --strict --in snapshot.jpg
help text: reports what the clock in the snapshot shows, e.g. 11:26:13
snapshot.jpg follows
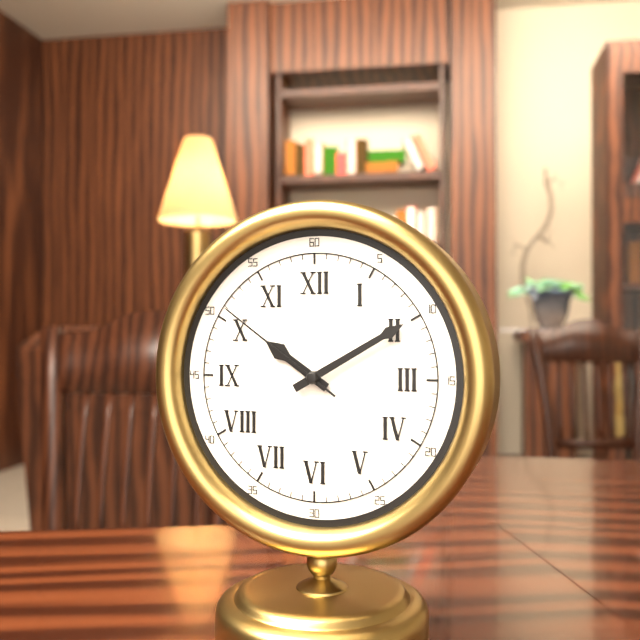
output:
10:10:51
